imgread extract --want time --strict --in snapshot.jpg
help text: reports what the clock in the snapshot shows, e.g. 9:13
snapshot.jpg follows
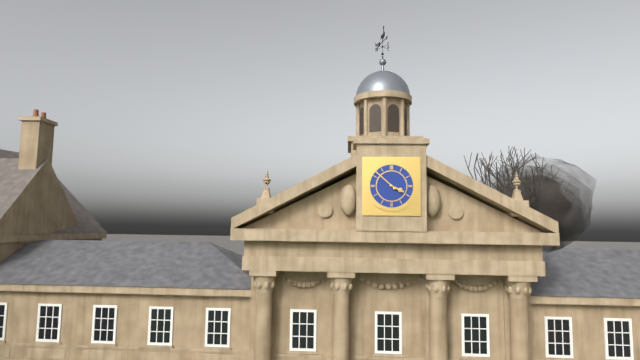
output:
3:52
